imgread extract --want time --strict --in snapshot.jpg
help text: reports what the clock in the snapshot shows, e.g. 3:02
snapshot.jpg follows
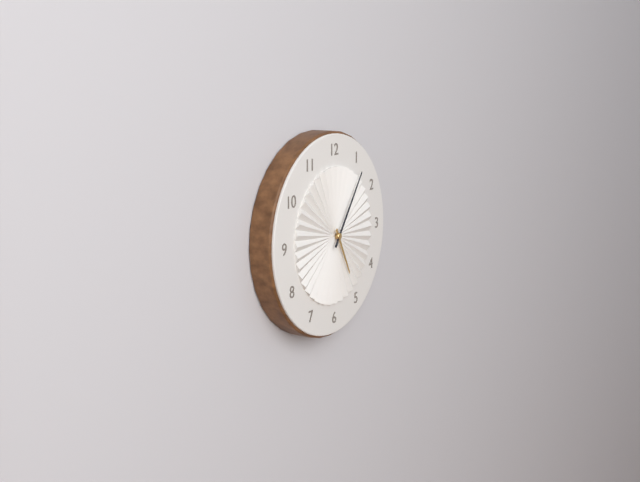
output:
5:06
